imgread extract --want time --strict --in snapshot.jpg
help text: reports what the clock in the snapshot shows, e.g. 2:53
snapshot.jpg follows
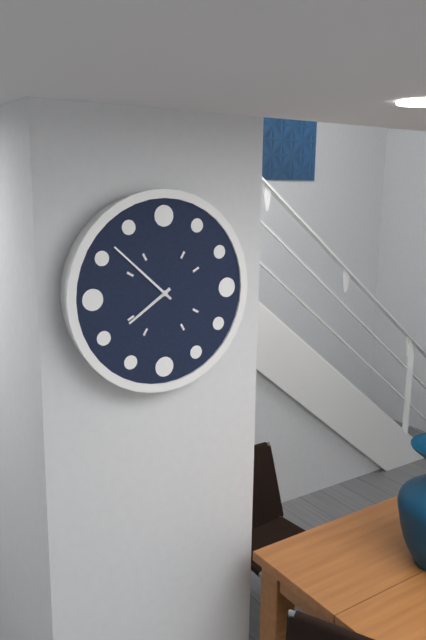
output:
7:52
